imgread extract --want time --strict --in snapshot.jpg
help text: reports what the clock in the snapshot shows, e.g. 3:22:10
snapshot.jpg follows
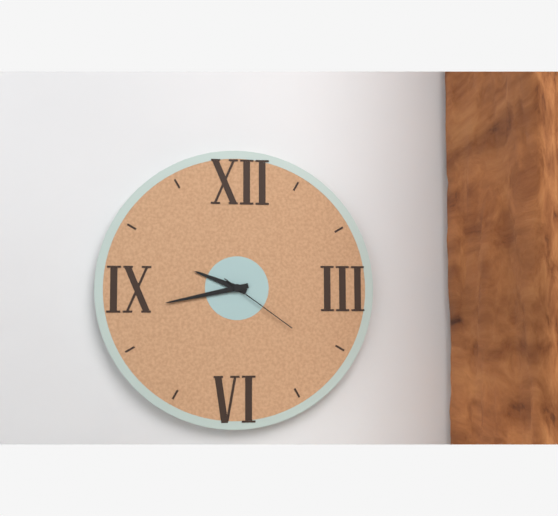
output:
9:43:21
